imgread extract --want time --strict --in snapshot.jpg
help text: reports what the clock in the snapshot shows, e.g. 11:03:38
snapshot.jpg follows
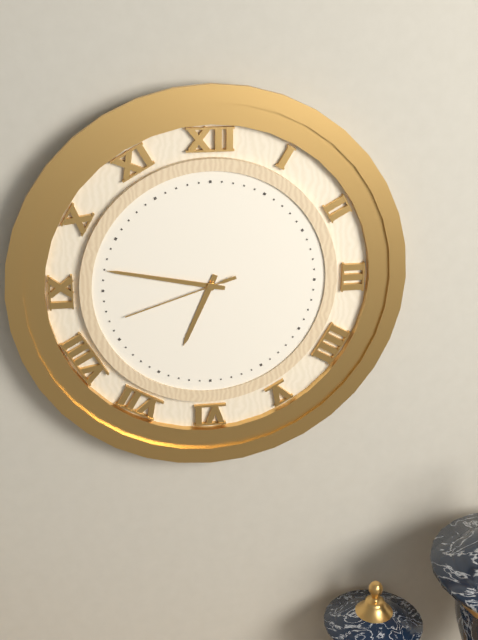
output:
6:47:42
